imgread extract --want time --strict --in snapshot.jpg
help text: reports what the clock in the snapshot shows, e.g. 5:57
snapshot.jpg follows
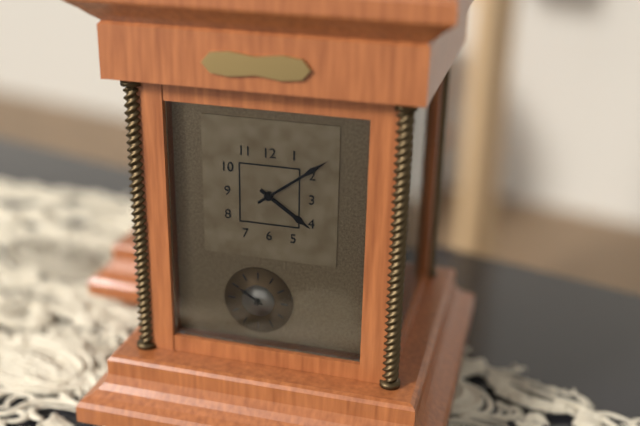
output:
4:09
